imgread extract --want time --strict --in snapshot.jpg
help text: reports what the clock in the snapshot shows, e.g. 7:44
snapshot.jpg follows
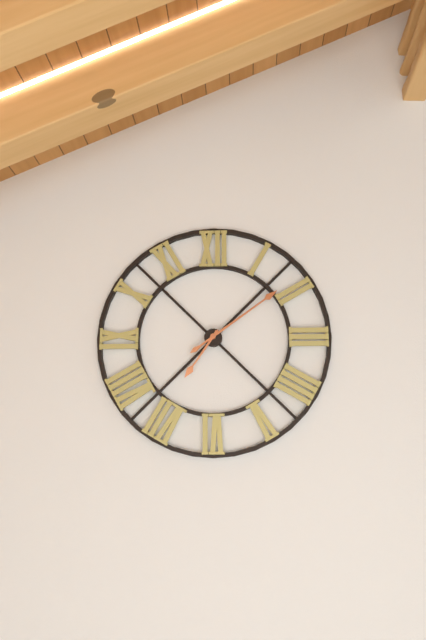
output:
7:09
